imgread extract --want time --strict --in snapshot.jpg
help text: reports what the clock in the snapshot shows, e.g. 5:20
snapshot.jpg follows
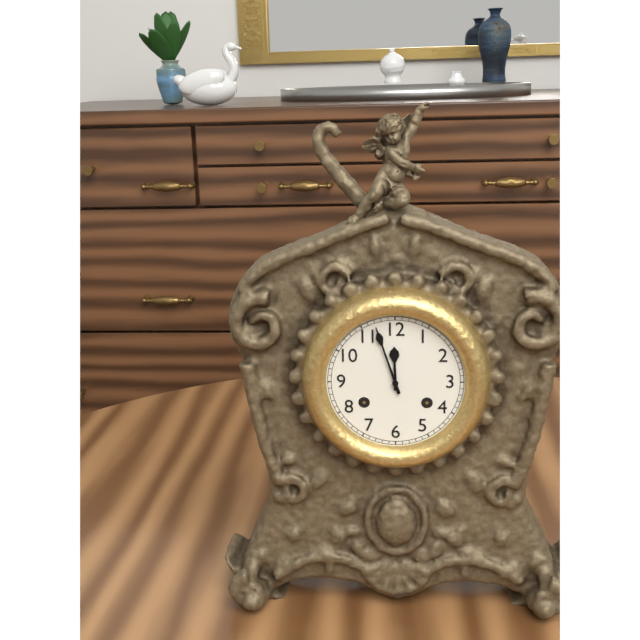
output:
11:57
